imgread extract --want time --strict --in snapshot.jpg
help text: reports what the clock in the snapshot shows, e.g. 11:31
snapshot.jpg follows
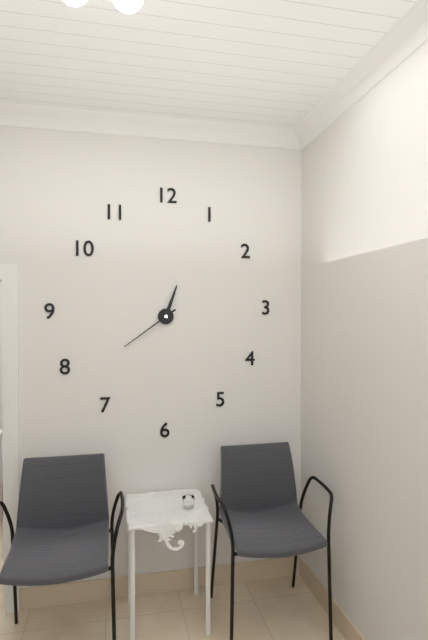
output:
12:39
